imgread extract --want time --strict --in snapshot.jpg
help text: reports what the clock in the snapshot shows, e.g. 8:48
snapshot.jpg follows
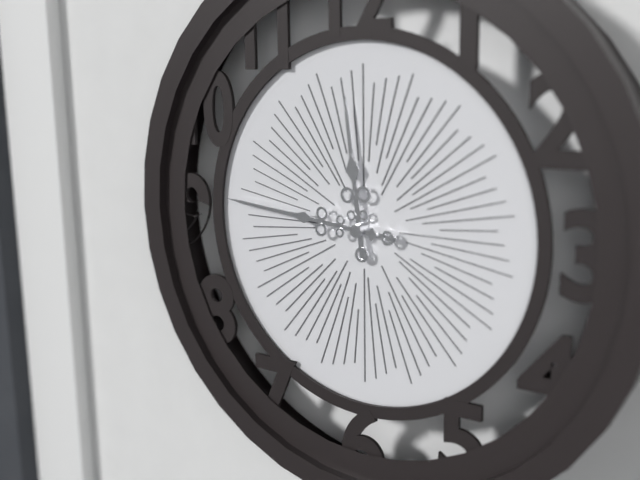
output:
11:46
